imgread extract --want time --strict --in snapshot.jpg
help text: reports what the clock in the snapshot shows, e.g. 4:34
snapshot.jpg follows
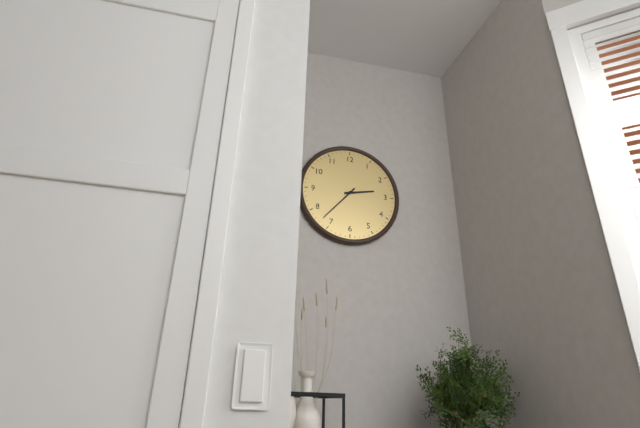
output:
2:37
